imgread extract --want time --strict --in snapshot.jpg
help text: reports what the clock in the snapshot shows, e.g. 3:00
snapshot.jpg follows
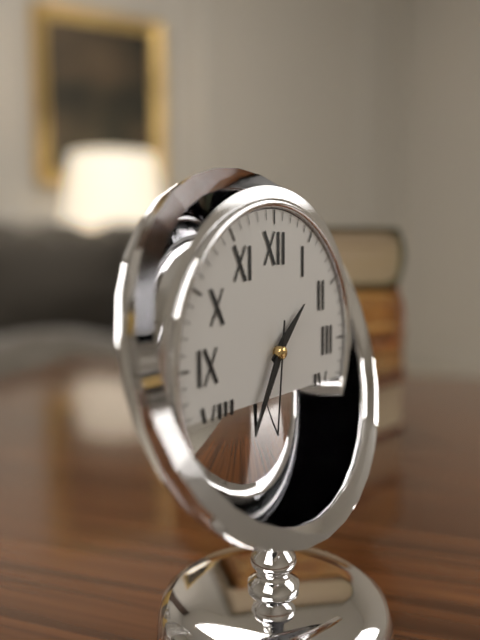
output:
1:35
